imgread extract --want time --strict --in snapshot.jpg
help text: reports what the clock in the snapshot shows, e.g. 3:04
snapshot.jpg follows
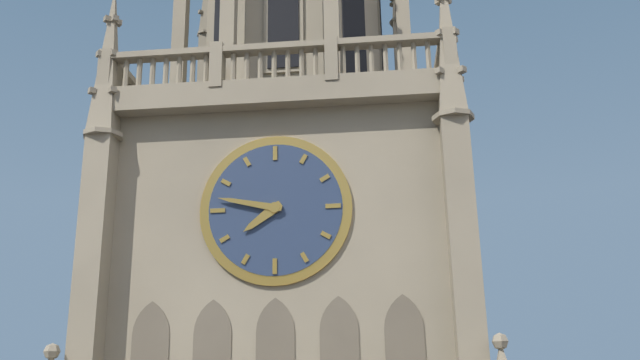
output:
7:47
